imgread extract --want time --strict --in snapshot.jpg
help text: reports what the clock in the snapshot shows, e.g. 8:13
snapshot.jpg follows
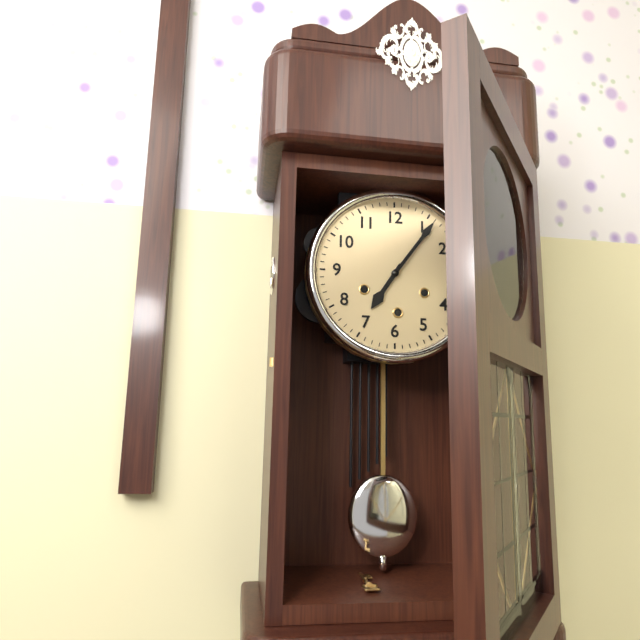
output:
7:06
